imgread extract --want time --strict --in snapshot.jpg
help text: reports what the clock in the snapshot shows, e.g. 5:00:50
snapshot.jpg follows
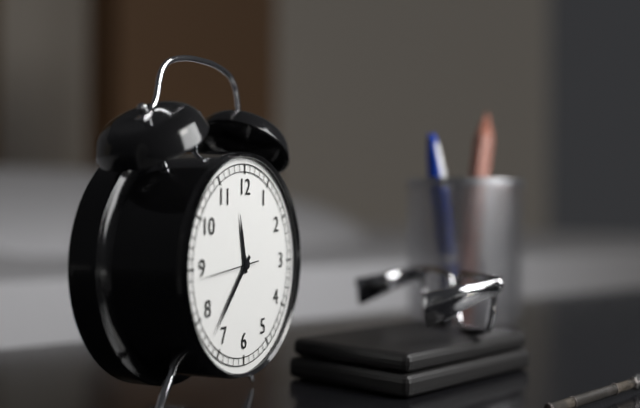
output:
11:37:44
